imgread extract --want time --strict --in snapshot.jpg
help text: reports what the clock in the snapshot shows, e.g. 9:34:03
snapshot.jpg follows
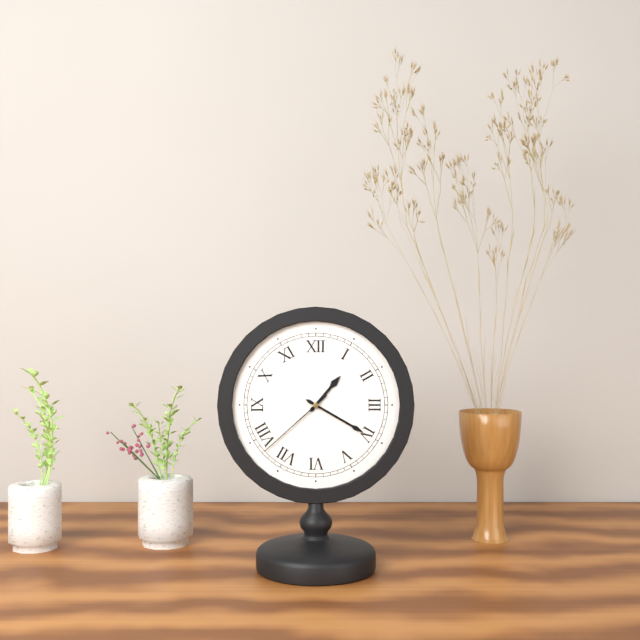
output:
1:20:38
